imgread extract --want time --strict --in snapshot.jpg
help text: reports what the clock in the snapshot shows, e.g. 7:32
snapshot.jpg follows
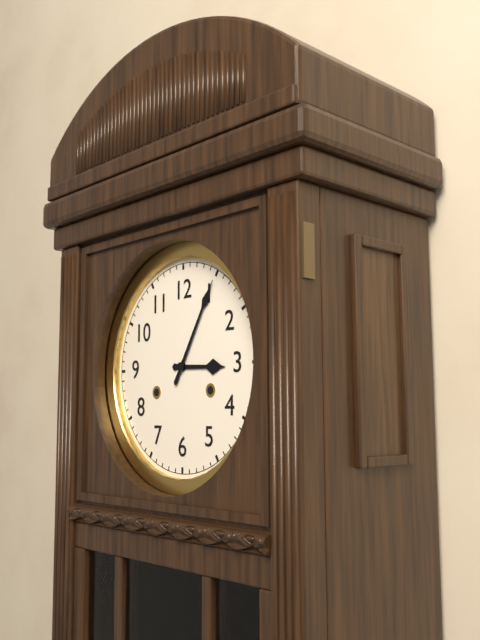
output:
3:05
